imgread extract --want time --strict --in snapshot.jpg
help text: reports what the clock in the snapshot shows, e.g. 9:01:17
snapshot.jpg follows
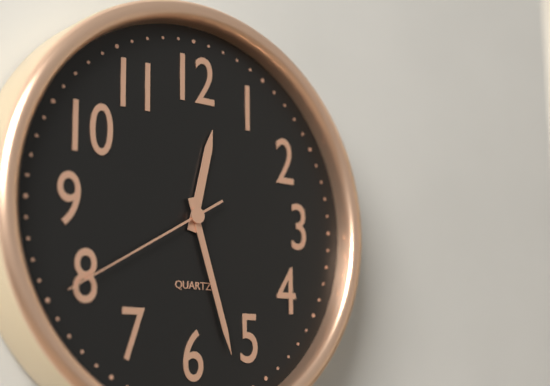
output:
12:27:40
